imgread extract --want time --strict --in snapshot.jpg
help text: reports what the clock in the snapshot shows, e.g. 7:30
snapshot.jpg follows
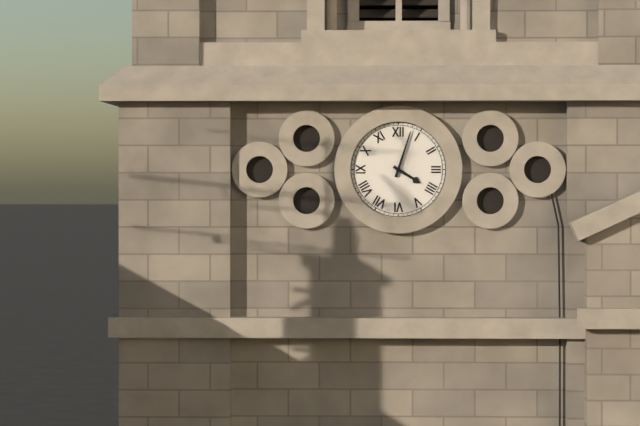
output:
4:03
